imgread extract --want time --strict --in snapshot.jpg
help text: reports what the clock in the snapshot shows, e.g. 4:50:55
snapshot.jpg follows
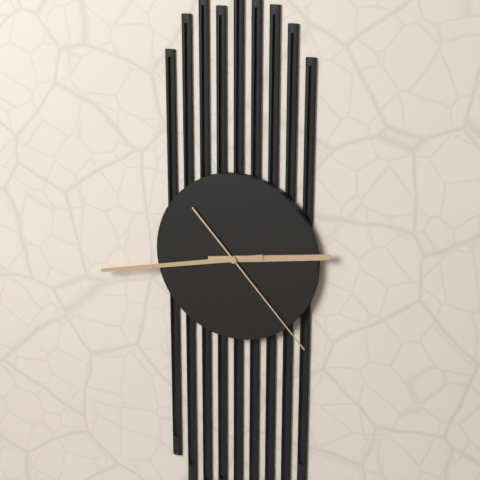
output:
2:43:23
